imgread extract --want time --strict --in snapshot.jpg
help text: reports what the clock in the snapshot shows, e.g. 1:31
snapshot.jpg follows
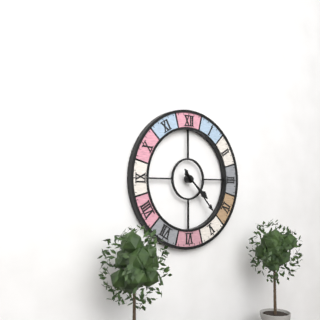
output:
4:23
